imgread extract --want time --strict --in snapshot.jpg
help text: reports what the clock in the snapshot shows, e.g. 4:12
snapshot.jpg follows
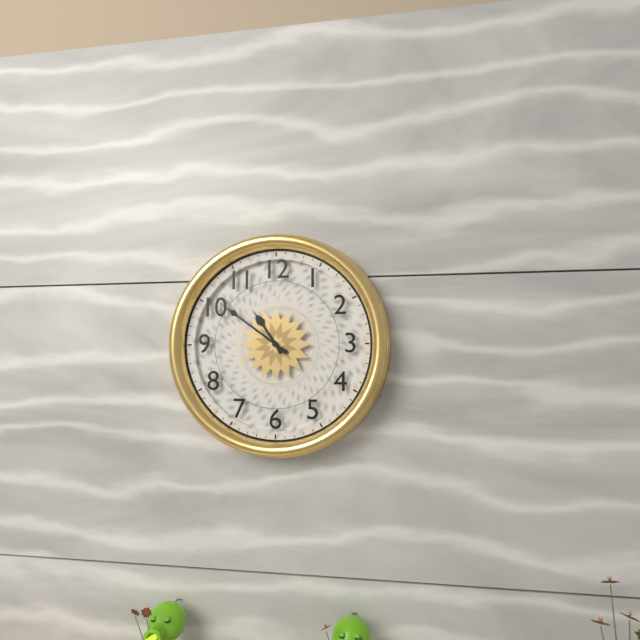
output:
10:51
